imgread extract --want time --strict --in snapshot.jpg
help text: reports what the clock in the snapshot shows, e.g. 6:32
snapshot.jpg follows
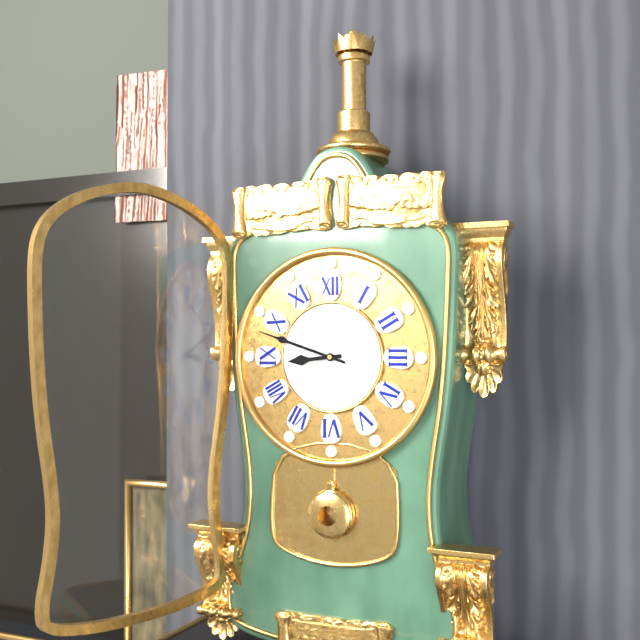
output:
8:48
